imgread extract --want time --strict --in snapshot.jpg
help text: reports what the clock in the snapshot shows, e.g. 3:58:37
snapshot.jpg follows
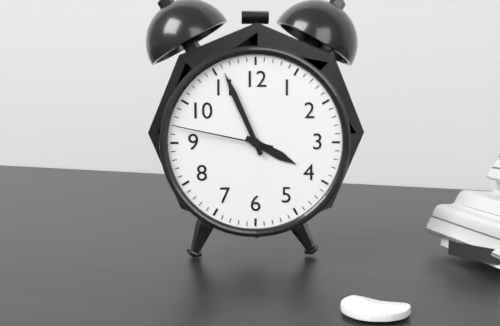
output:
3:56:47
